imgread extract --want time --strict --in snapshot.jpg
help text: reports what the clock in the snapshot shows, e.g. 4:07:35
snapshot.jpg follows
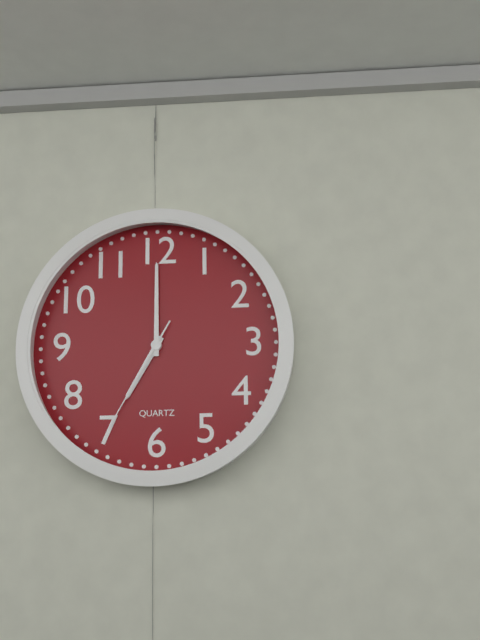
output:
7:00:35
